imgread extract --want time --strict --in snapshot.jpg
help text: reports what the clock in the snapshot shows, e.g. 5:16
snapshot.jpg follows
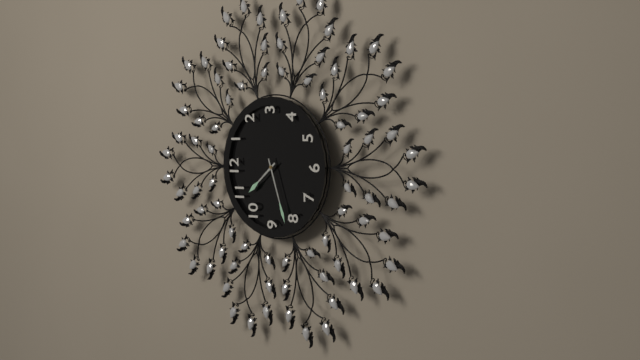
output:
10:42
